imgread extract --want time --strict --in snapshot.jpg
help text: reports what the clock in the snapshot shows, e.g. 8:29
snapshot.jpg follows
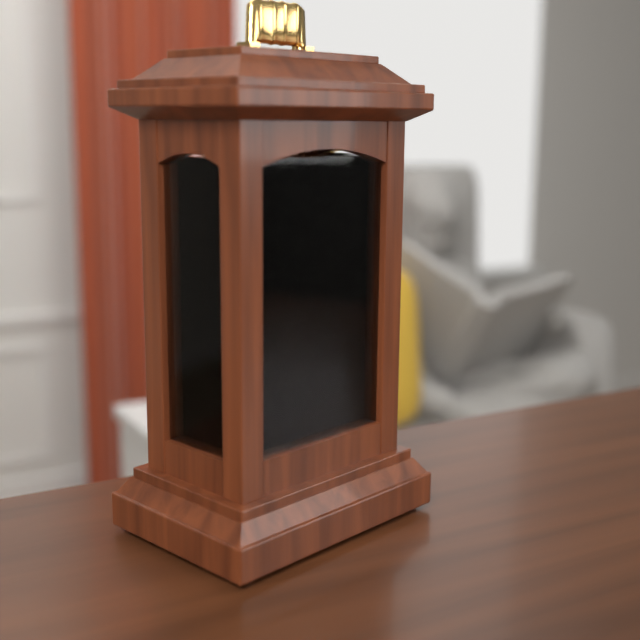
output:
4:54
